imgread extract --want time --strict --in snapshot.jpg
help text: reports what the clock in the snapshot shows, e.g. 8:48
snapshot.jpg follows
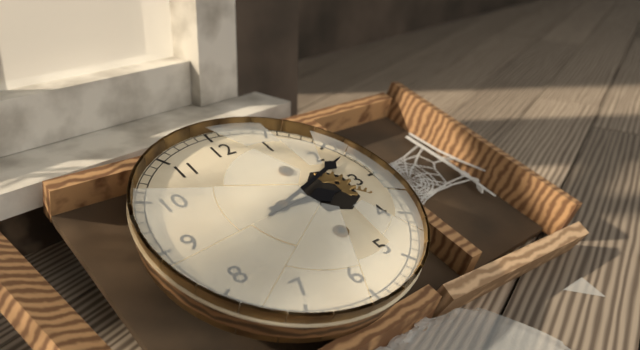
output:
3:12
